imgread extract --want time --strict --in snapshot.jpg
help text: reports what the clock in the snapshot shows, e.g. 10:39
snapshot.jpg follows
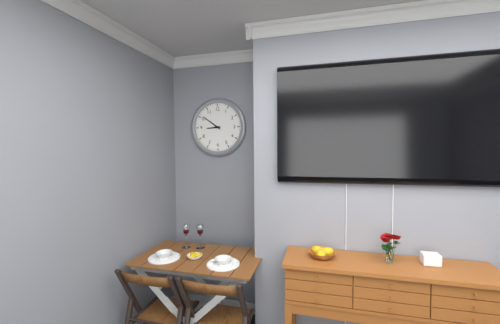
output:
8:51
